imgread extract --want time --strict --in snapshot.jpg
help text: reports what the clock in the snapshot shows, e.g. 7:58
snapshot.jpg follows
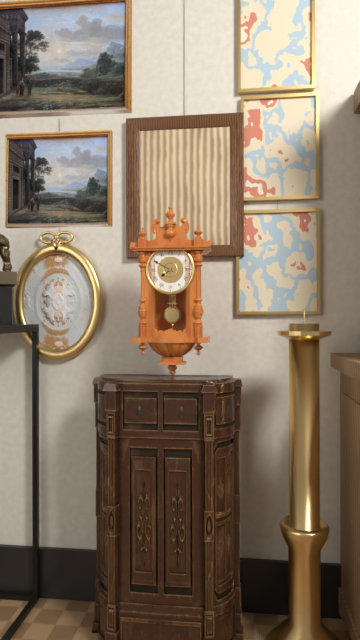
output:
7:50
